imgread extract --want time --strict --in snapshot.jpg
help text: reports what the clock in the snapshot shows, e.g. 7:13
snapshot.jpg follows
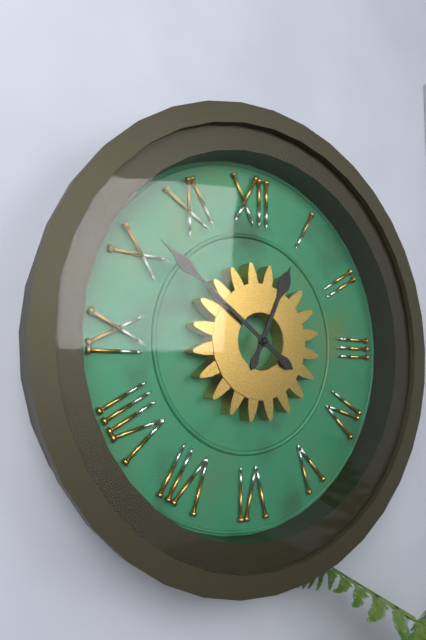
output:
12:51
